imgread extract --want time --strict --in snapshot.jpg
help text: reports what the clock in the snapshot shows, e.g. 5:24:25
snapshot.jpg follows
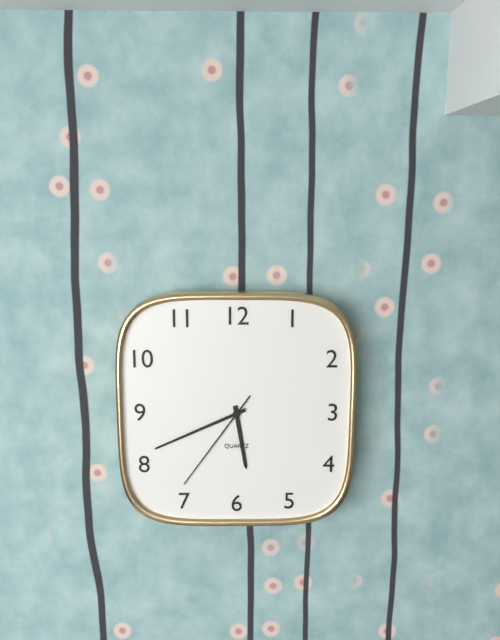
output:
5:41:36
